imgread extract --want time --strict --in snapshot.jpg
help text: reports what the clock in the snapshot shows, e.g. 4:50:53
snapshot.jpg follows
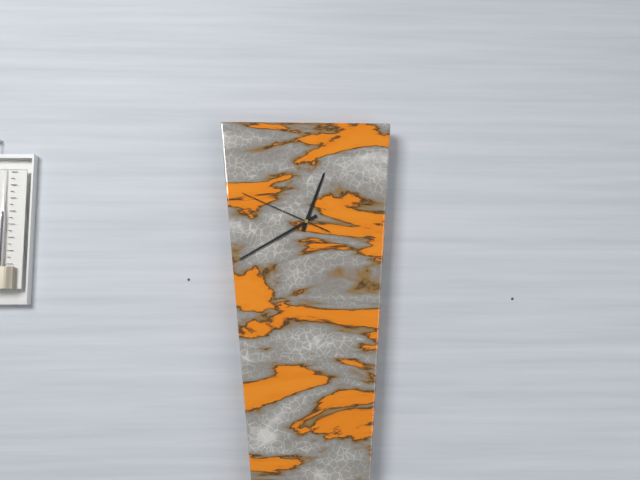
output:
12:40:49
